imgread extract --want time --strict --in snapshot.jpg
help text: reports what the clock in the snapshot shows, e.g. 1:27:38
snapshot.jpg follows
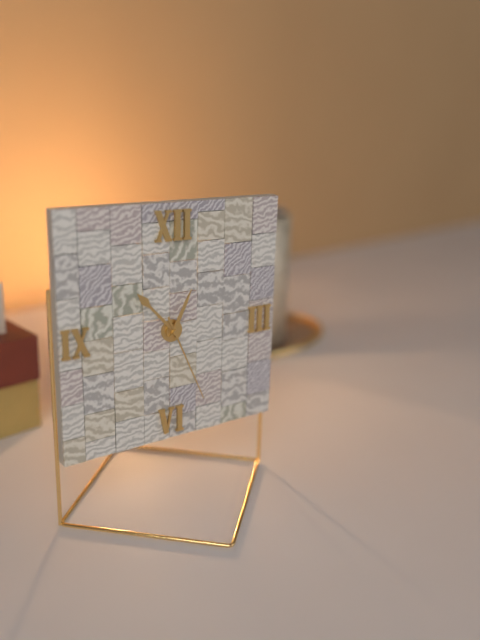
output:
12:53:26
